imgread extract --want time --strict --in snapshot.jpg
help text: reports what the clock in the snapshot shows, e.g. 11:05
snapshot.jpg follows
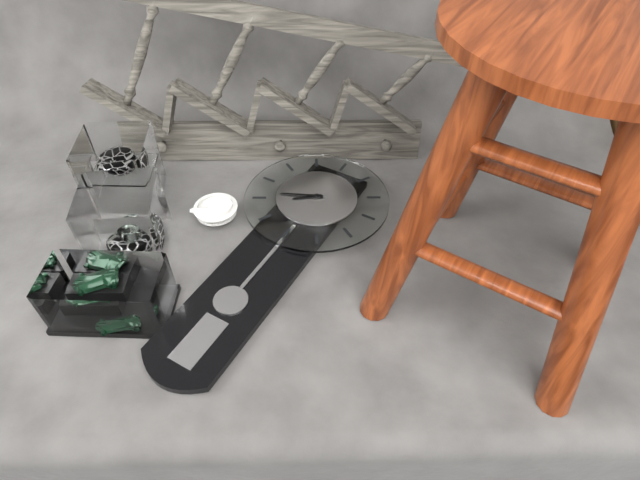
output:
7:41
